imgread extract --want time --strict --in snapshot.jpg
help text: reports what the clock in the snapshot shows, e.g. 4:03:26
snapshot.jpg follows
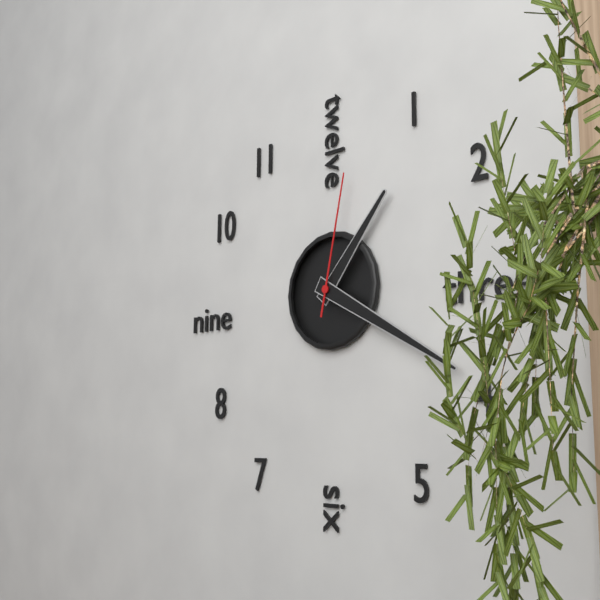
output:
1:20:02
